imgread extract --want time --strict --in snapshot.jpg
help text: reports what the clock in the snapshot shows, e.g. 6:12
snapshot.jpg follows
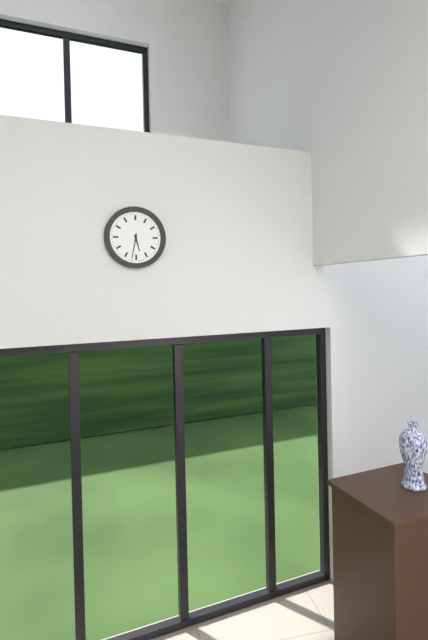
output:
5:32
